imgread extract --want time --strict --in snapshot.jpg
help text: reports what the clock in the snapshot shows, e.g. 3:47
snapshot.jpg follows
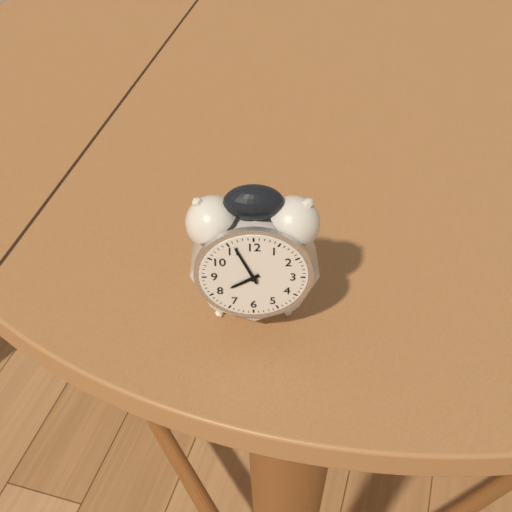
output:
7:56
